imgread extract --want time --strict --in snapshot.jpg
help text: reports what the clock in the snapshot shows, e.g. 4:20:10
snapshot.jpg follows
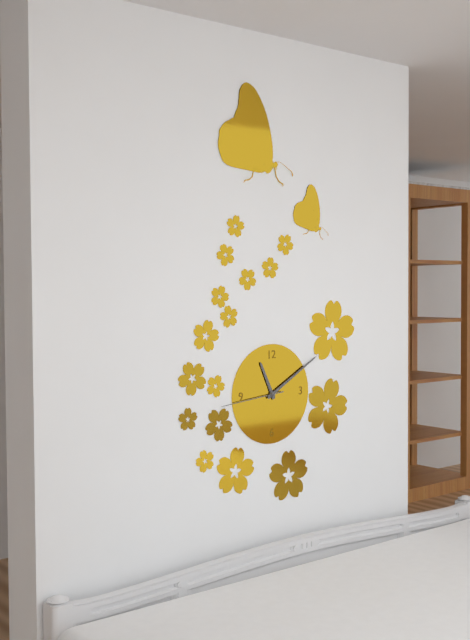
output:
11:10:44
